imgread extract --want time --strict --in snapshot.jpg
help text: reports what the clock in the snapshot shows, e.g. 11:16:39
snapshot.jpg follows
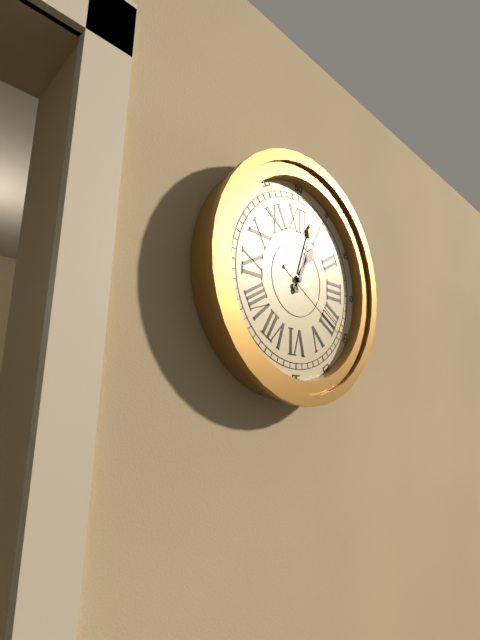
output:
1:03:20
